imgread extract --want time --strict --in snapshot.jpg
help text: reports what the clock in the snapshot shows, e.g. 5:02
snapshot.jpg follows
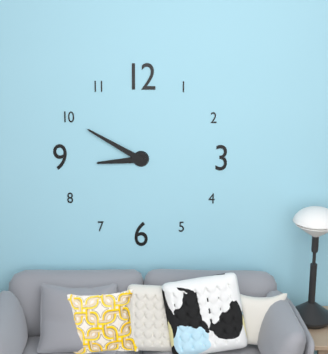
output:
8:50
